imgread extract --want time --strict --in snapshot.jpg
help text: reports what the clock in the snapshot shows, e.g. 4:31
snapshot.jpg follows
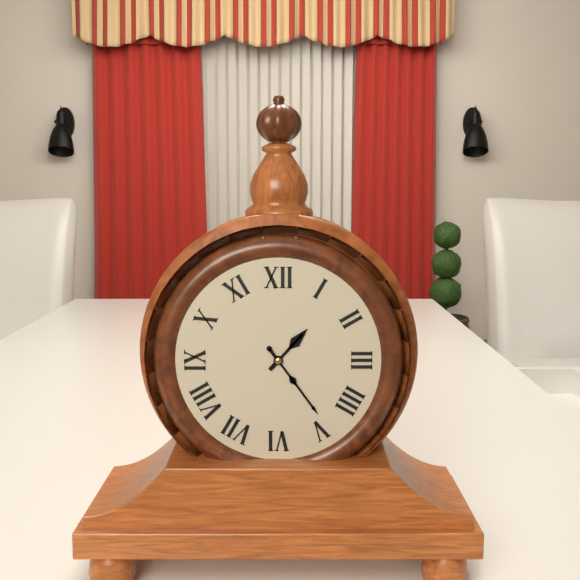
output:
1:24
